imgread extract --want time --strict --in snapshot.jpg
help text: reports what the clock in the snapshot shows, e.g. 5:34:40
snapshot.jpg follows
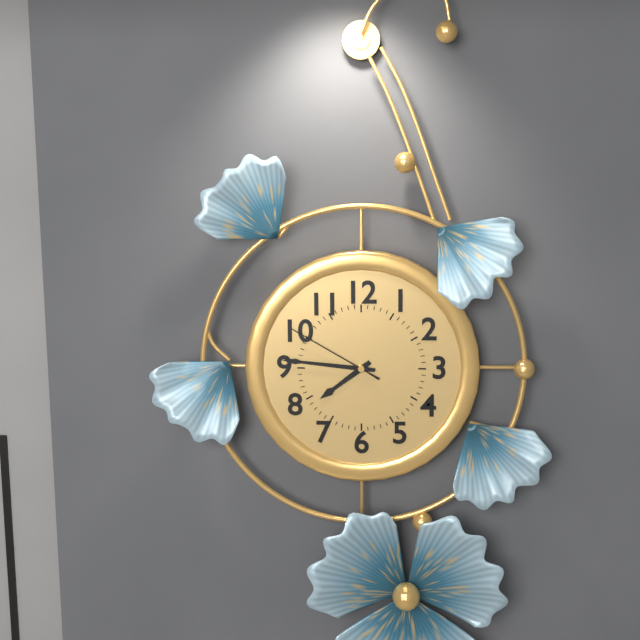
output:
7:46:50
